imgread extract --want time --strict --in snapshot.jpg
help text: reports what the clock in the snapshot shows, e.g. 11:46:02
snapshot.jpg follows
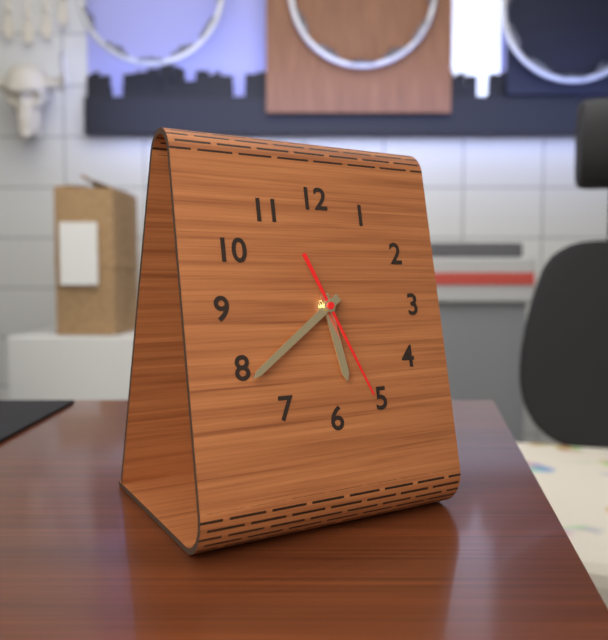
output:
5:39:26
